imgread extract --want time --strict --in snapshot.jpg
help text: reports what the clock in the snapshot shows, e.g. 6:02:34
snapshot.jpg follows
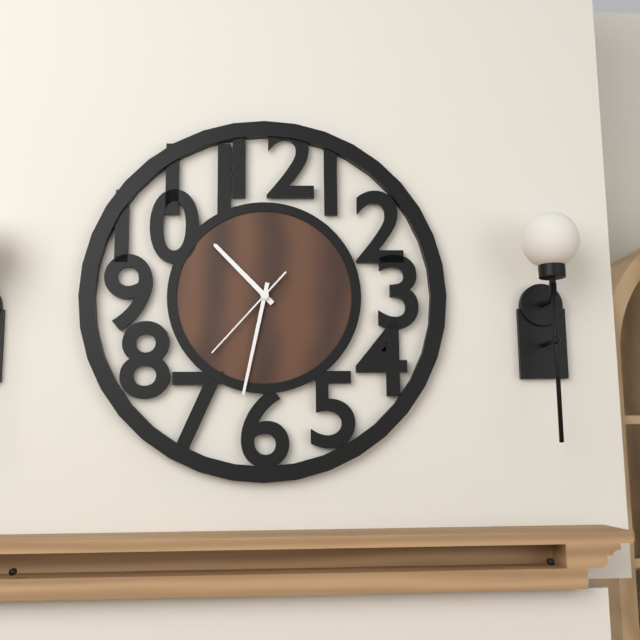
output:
10:32:37
